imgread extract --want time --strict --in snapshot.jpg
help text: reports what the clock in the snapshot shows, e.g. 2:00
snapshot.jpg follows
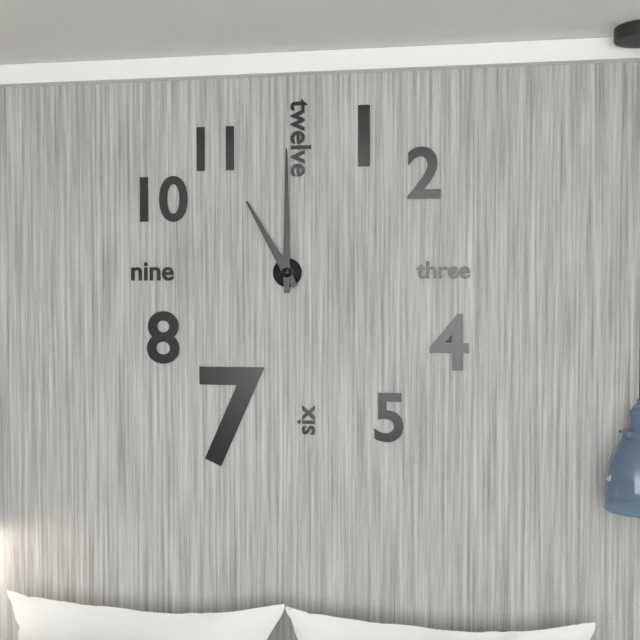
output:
11:00
